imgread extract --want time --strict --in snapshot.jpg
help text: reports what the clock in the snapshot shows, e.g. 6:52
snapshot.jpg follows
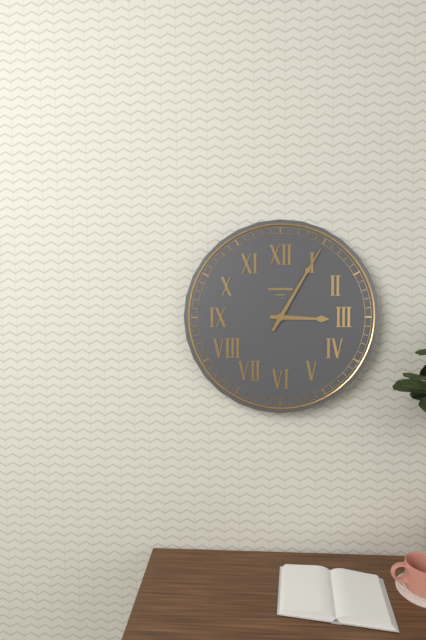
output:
3:05
